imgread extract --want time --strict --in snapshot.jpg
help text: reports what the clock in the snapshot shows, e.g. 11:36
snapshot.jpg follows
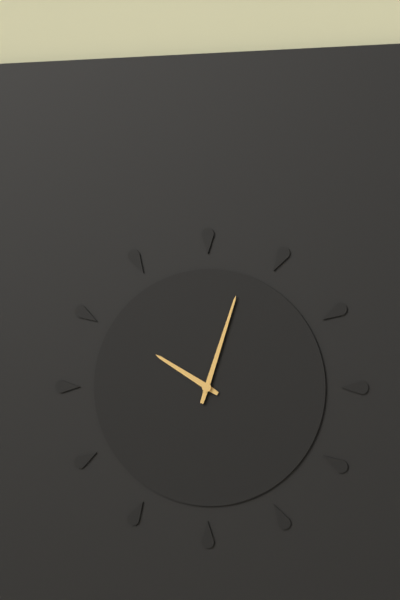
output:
10:03
